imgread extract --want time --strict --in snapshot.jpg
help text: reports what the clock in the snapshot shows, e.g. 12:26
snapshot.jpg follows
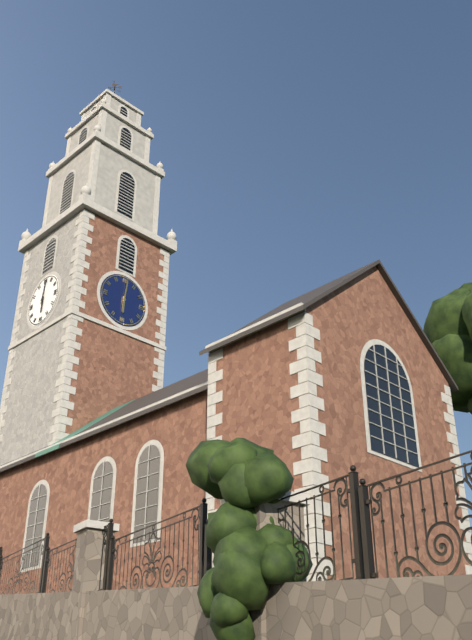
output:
6:01
